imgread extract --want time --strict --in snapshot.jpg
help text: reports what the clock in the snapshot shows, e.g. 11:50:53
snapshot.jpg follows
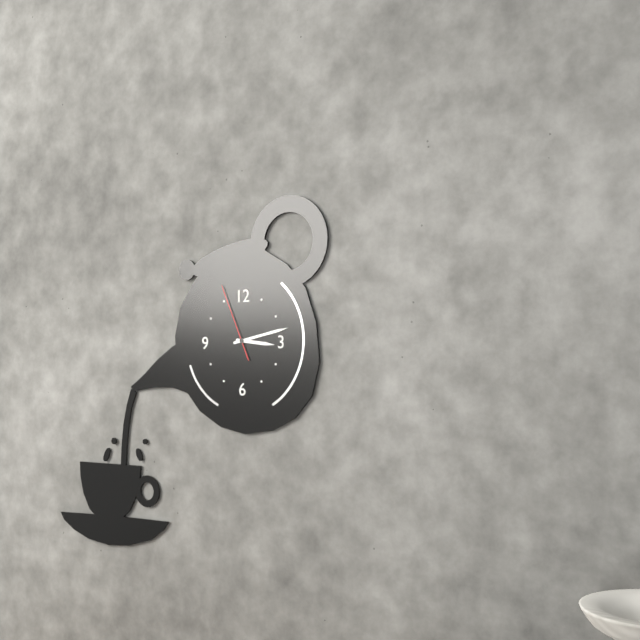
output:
3:13:56
